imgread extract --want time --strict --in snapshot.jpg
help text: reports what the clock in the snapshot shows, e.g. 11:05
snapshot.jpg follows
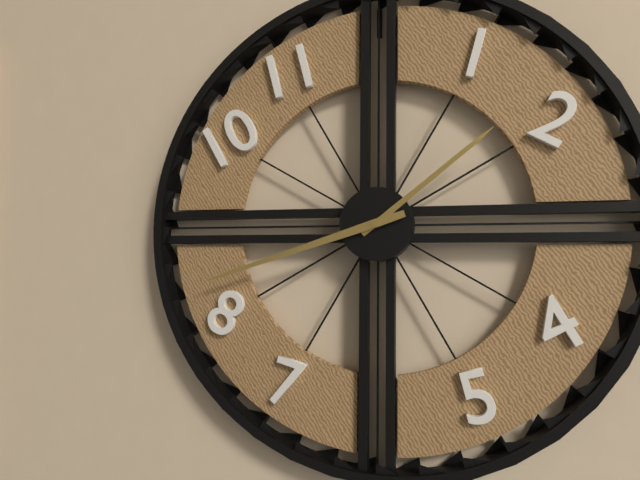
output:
1:42
